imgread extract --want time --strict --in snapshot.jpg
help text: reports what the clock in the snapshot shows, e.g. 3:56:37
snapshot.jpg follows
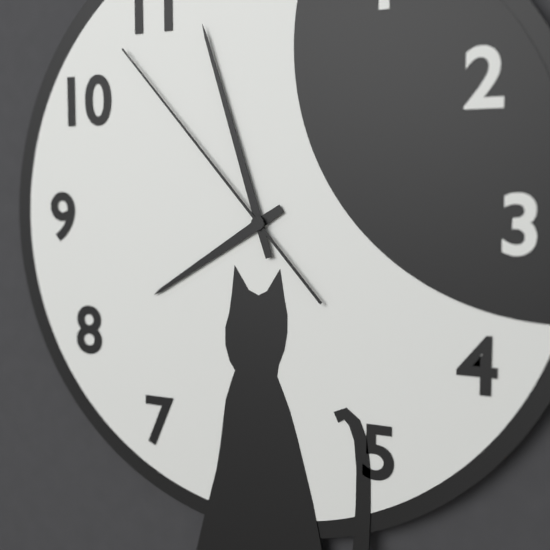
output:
7:57:53
